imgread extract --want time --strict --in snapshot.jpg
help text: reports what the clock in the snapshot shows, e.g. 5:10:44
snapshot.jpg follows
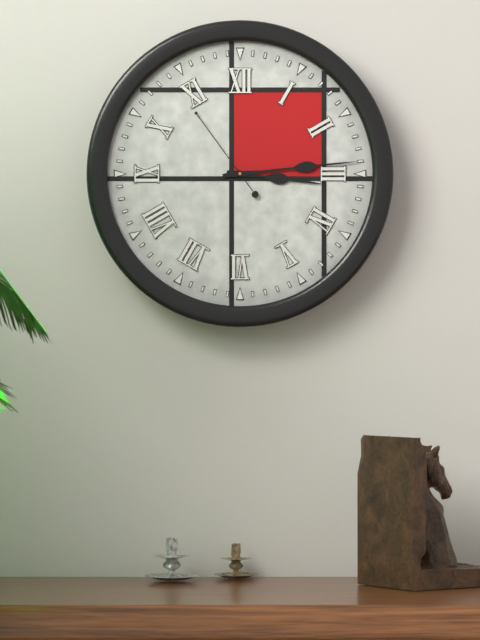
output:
3:14:54
